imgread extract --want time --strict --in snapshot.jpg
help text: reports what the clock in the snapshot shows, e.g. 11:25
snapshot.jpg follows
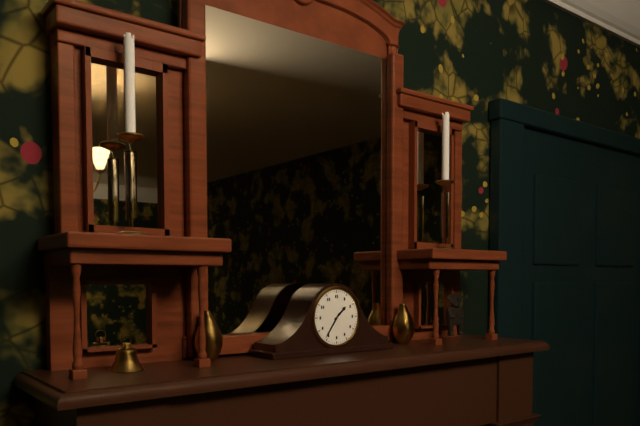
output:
1:36
